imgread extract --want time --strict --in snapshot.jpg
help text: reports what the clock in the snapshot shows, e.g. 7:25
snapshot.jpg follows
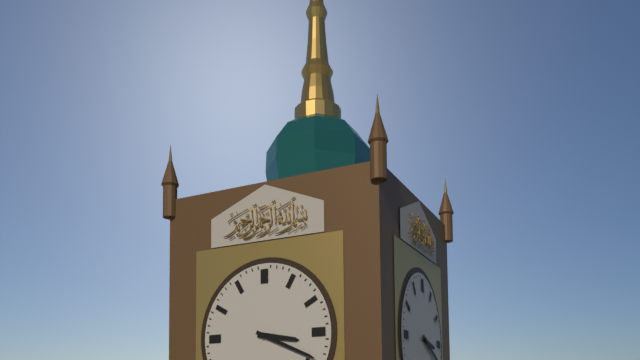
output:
3:19
